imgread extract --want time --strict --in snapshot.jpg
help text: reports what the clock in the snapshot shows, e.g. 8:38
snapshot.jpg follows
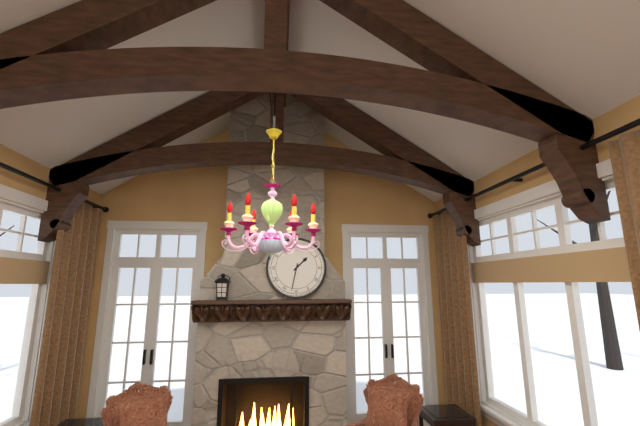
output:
1:32
